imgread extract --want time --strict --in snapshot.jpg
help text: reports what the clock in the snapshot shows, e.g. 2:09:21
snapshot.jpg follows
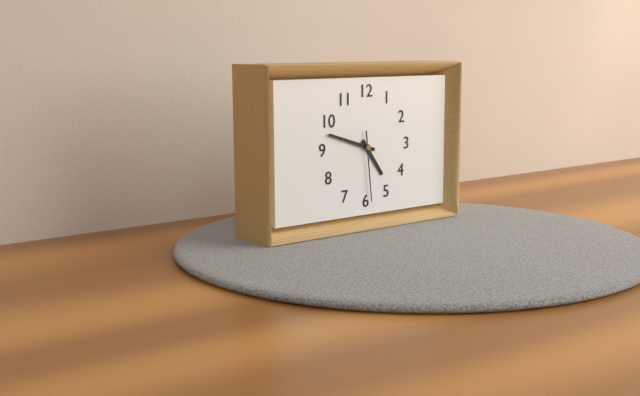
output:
4:48:29
